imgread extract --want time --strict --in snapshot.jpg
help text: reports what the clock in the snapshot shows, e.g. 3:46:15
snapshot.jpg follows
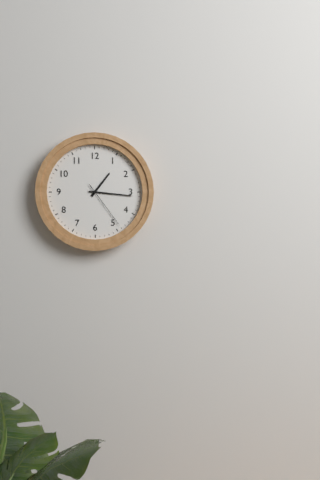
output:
1:16:24
